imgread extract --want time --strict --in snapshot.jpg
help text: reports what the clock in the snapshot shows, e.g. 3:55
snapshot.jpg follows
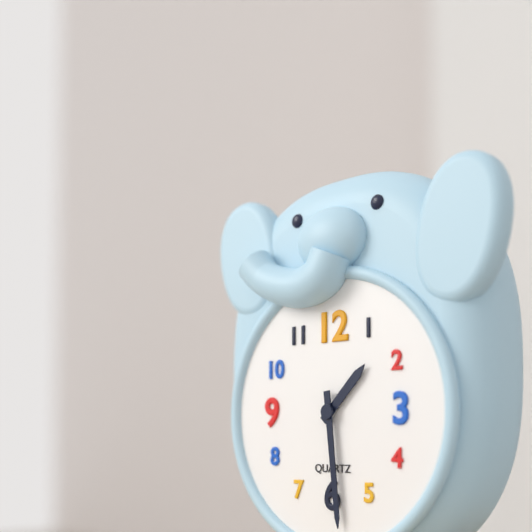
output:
1:29
